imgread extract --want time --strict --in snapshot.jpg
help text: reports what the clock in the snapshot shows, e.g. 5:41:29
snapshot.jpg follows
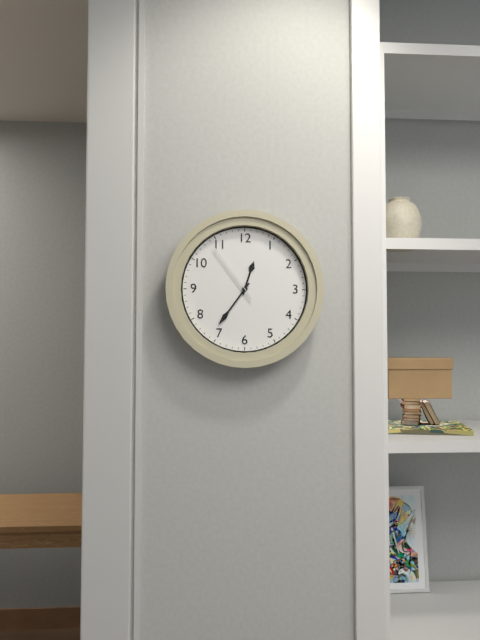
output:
12:36:54
